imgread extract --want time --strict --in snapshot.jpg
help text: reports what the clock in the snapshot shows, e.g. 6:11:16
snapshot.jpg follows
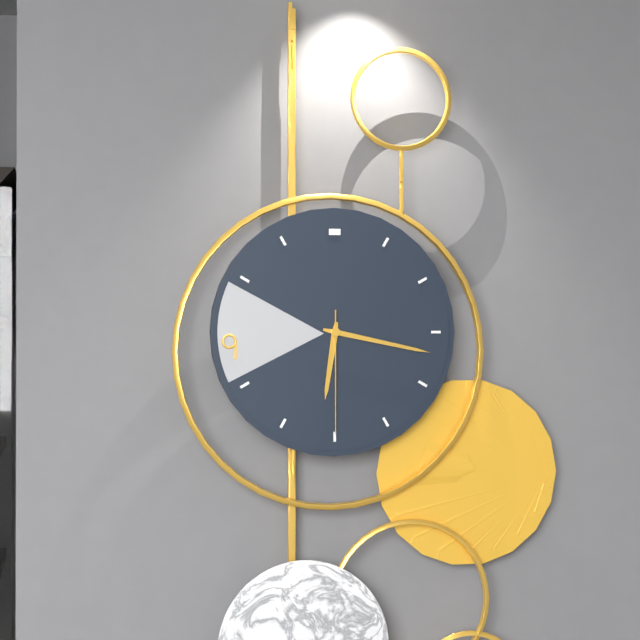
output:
6:17:30
